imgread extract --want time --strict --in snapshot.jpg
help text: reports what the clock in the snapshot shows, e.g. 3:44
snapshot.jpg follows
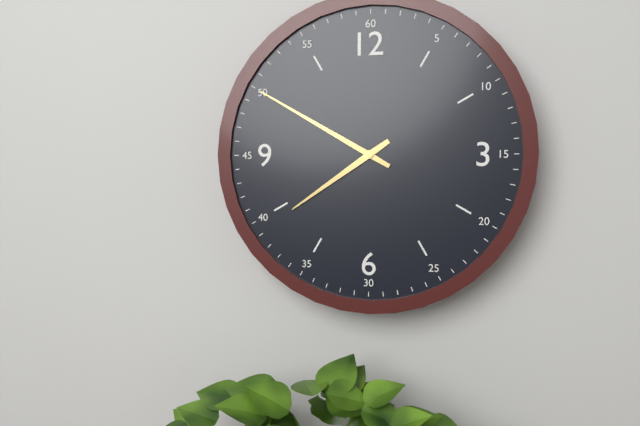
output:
7:50
